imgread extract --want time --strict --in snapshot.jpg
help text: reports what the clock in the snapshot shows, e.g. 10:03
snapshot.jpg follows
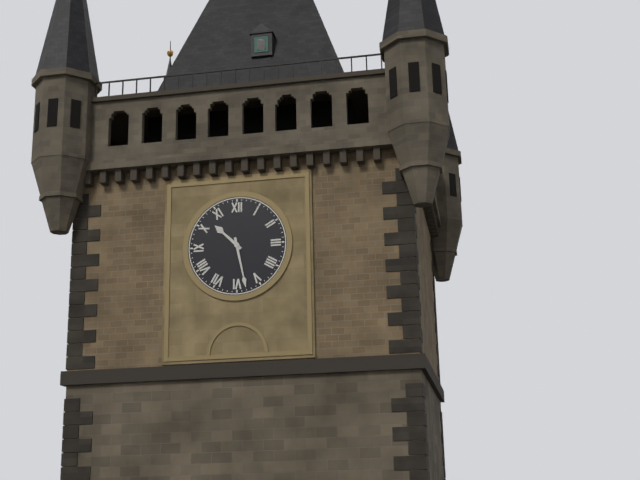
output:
10:28
